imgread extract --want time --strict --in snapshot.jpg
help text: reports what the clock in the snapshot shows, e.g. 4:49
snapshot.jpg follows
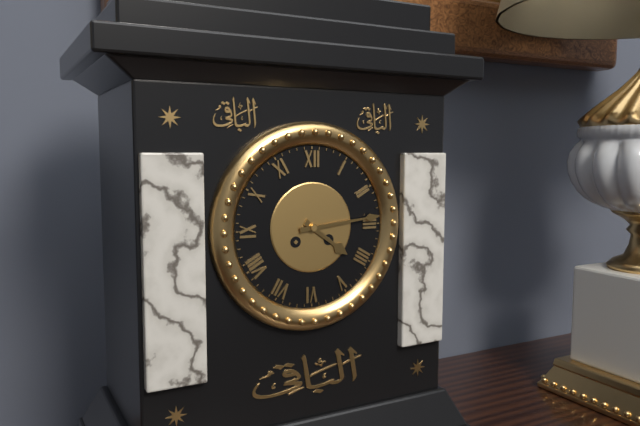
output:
4:14
